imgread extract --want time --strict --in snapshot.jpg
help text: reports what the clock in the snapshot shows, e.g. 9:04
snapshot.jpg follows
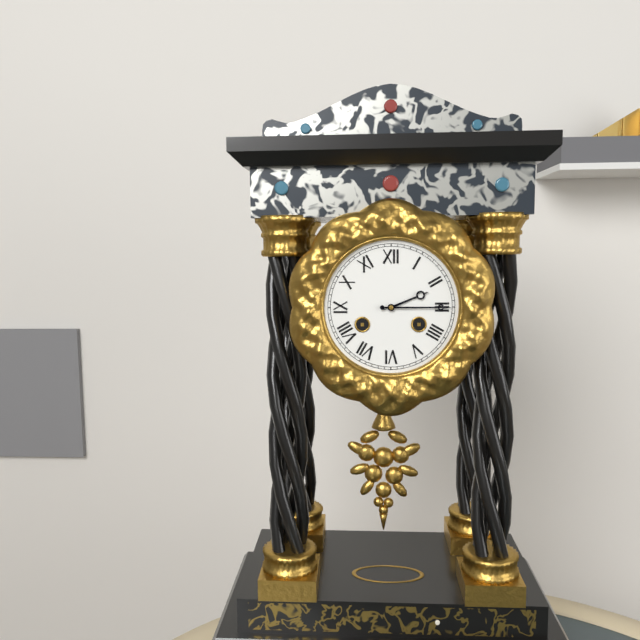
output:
2:15
